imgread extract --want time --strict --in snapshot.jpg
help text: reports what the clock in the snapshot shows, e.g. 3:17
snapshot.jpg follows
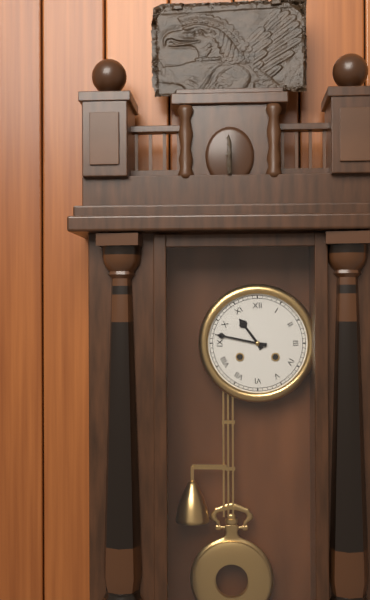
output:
10:47
